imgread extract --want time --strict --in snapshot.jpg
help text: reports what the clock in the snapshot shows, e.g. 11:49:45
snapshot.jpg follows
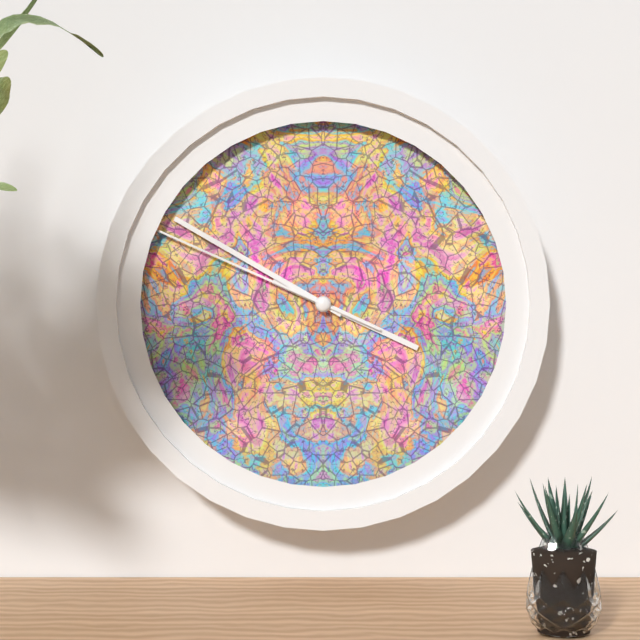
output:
3:50:49
